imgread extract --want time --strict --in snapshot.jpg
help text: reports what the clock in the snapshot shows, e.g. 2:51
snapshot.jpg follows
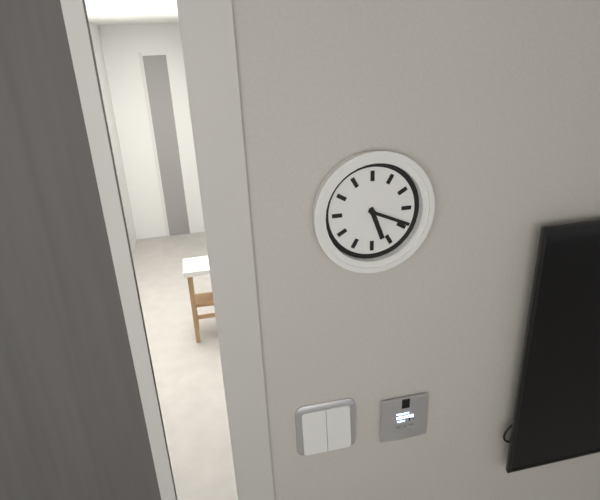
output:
5:19
